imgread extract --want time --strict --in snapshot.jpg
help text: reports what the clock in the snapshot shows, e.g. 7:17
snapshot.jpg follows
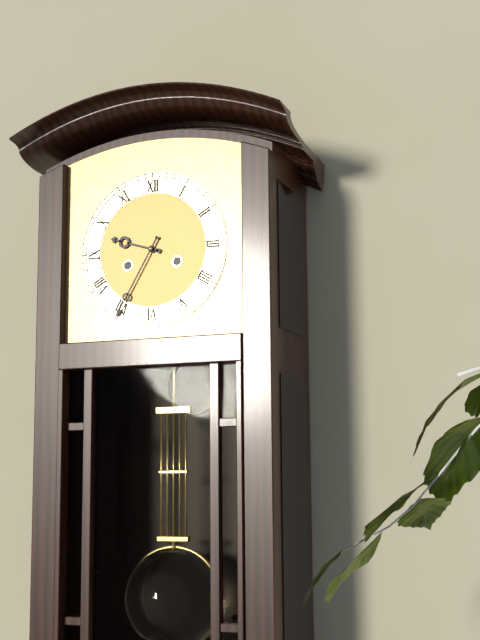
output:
9:35
